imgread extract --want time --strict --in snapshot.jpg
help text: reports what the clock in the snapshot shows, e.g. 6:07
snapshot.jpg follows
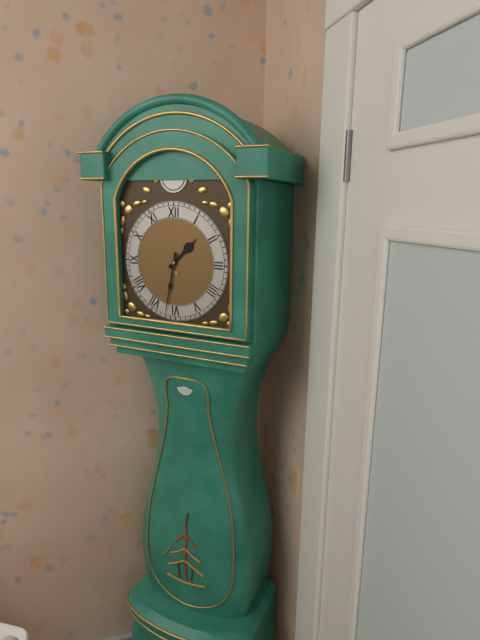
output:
1:32
